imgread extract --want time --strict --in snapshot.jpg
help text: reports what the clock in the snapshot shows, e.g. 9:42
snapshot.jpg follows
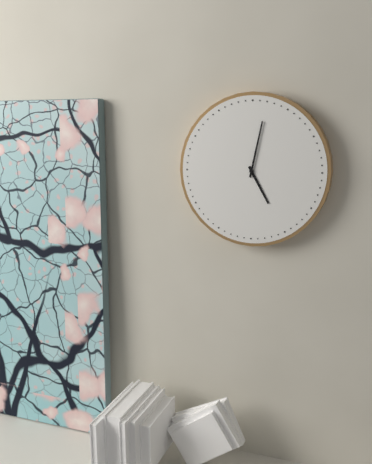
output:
5:02
